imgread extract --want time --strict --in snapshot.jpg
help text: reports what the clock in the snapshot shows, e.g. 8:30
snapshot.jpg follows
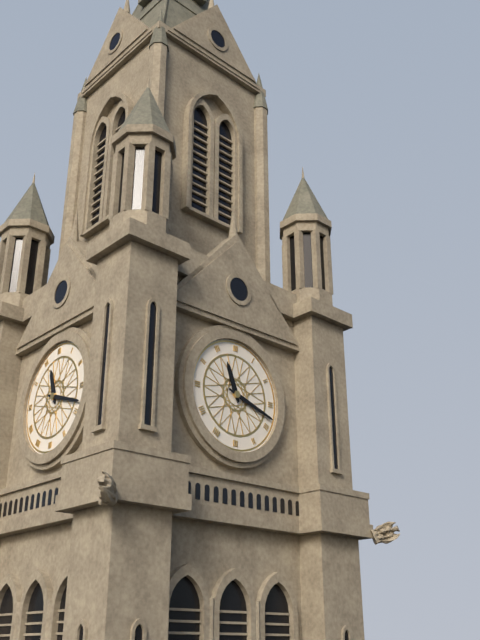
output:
11:18
